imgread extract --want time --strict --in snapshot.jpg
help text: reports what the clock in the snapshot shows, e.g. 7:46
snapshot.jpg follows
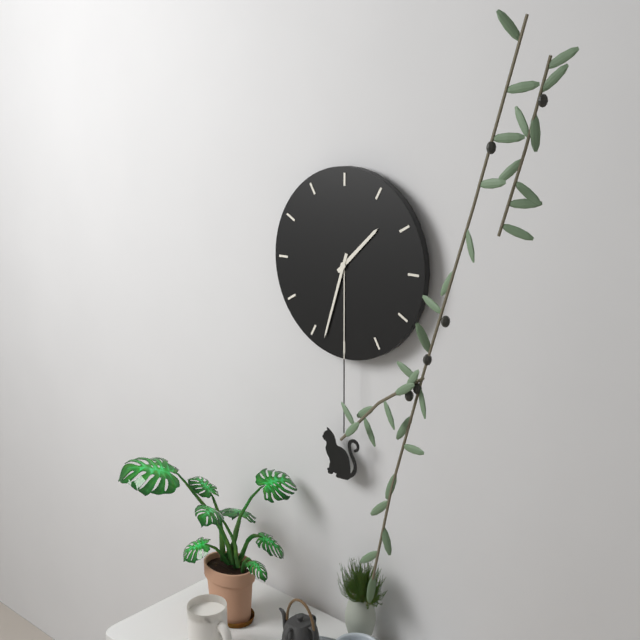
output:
1:33
